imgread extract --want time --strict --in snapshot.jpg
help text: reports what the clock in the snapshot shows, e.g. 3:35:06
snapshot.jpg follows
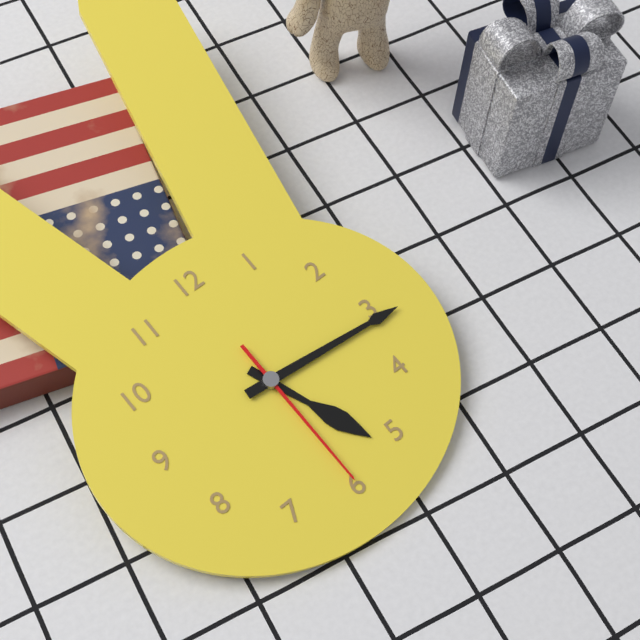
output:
5:16:30
